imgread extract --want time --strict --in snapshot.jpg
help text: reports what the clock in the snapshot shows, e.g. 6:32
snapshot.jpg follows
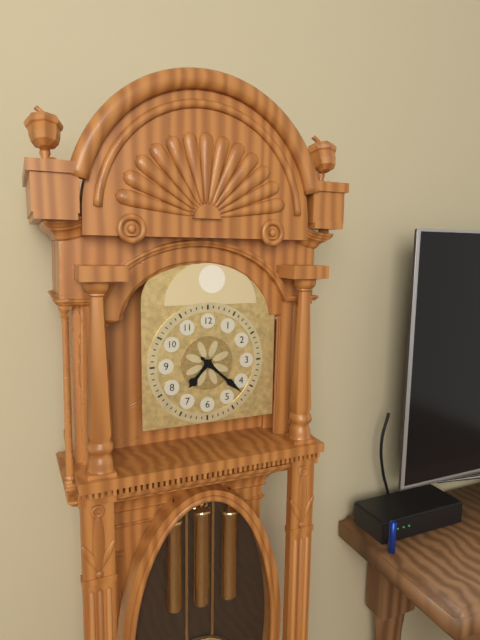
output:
7:22
